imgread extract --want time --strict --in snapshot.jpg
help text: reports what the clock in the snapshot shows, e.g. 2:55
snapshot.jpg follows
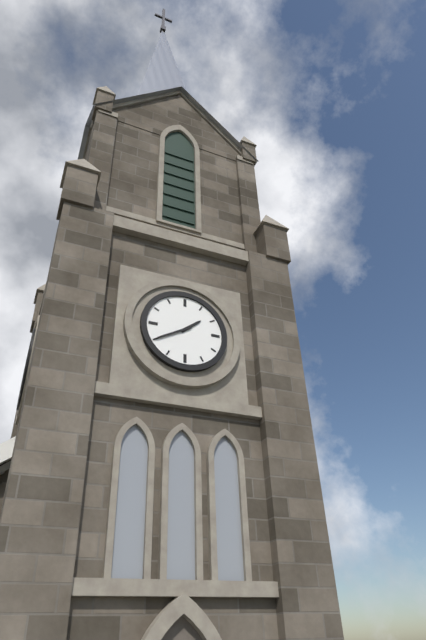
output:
1:40
